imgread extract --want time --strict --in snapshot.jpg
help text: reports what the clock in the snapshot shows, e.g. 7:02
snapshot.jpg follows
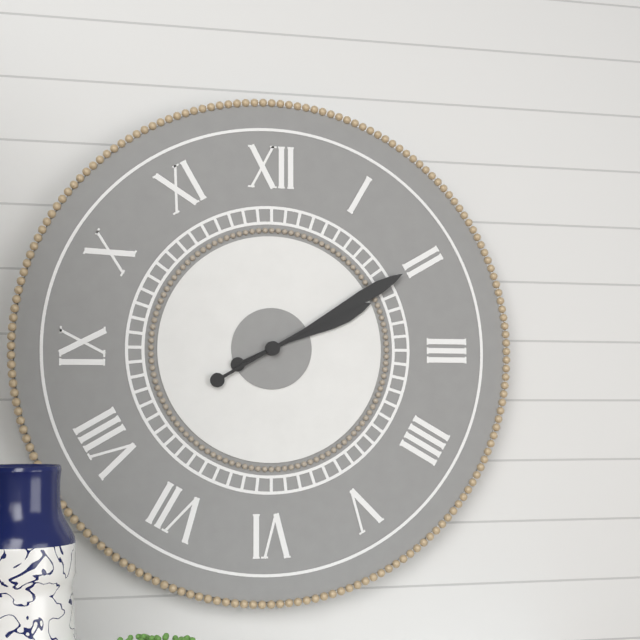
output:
2:10
